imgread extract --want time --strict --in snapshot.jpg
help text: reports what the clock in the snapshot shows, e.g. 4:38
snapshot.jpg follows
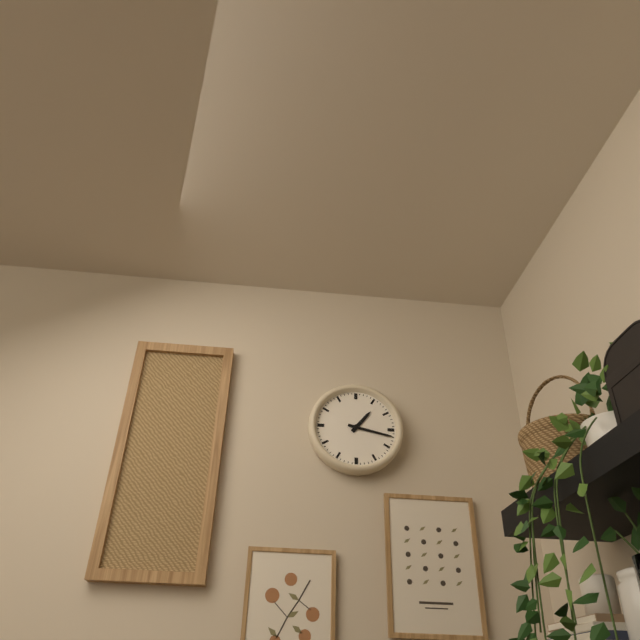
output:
1:17
